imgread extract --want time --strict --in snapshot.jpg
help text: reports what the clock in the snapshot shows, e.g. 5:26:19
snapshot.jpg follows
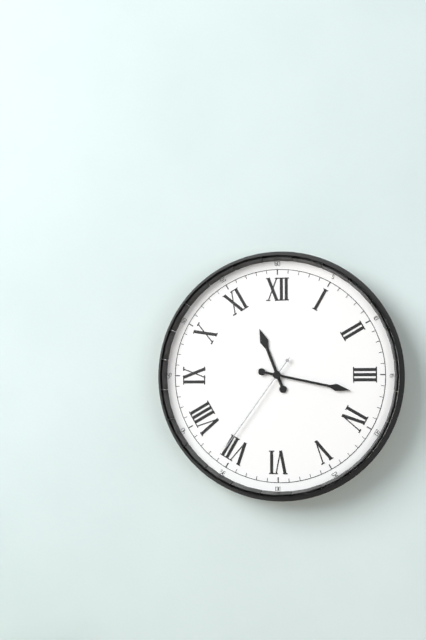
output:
11:17:36
